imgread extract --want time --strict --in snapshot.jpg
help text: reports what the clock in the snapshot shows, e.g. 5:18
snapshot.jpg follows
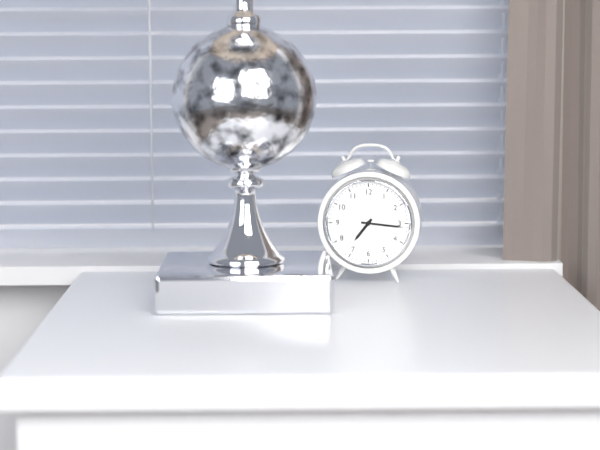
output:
7:16
